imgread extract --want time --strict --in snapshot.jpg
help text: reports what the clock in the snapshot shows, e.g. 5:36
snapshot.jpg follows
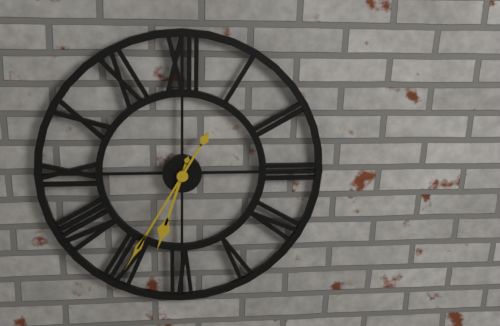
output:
6:35
